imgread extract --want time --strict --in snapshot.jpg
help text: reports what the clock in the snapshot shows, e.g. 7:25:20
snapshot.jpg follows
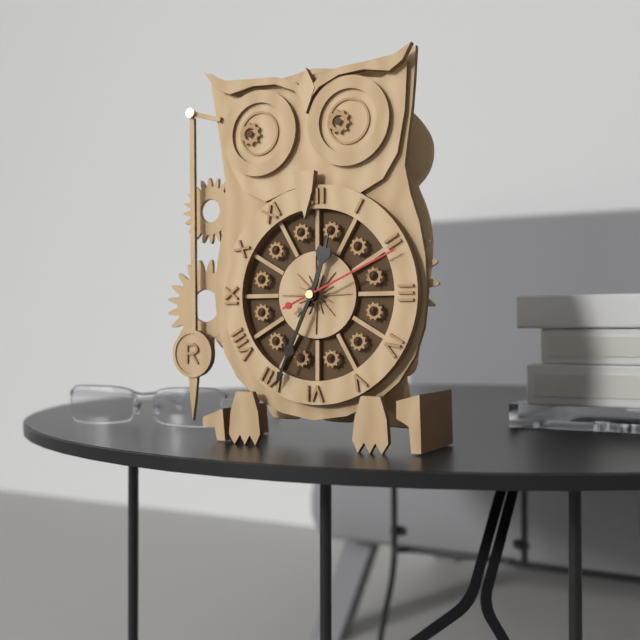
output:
12:34:11
